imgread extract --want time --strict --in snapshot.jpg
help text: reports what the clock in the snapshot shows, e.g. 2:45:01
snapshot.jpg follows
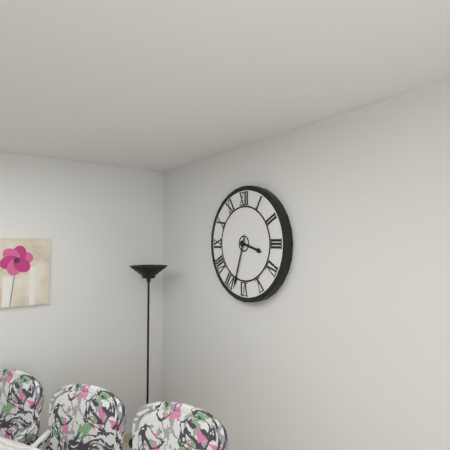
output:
3:33:33
